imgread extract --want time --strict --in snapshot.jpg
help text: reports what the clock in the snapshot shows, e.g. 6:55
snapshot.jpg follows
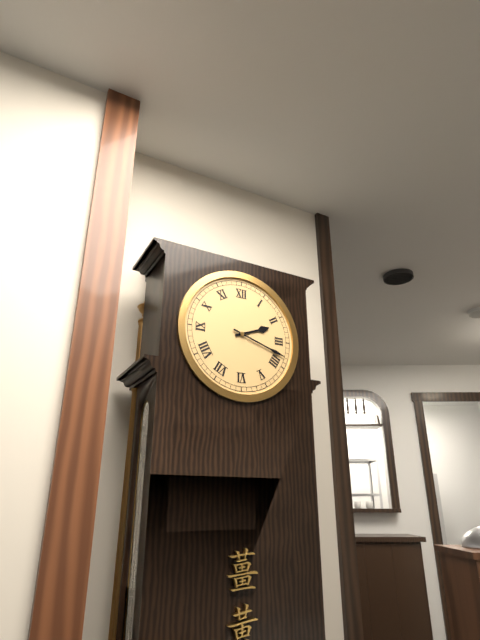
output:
2:18
